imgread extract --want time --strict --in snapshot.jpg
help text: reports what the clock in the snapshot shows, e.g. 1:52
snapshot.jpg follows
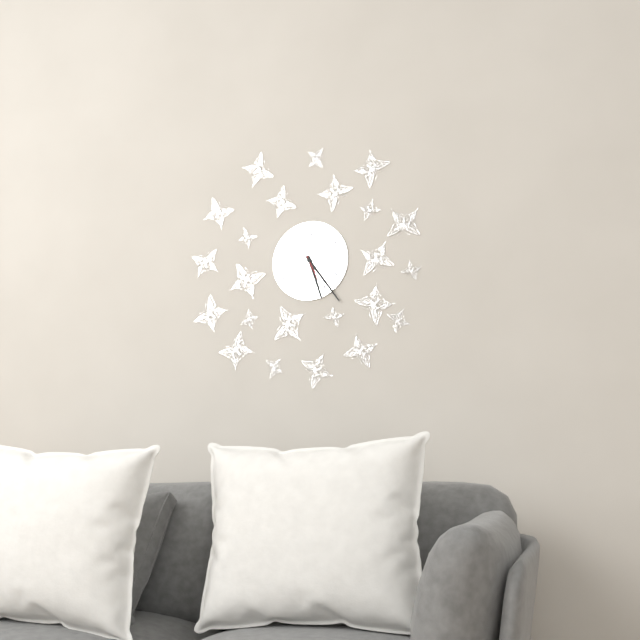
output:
5:24
